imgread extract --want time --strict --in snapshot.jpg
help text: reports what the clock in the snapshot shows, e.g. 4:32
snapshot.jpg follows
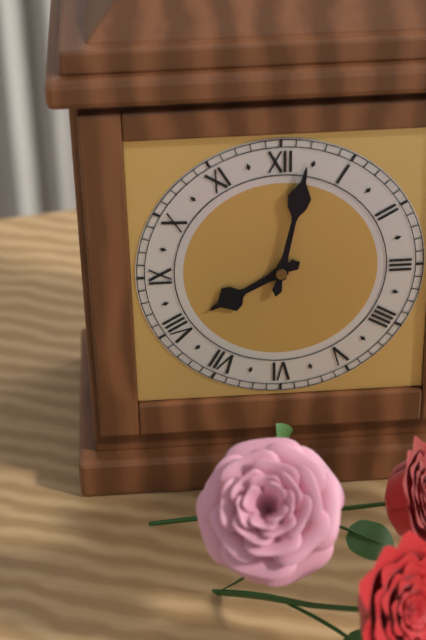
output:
8:02
